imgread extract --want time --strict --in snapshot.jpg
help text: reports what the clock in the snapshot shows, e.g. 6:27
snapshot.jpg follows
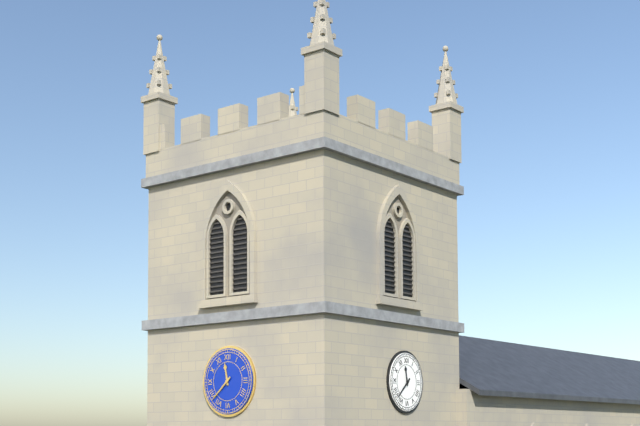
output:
11:38
